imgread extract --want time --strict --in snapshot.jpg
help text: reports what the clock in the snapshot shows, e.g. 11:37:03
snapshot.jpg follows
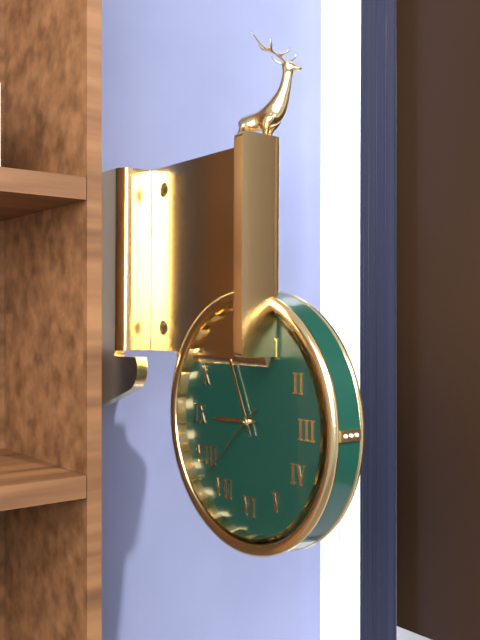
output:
8:56:38
